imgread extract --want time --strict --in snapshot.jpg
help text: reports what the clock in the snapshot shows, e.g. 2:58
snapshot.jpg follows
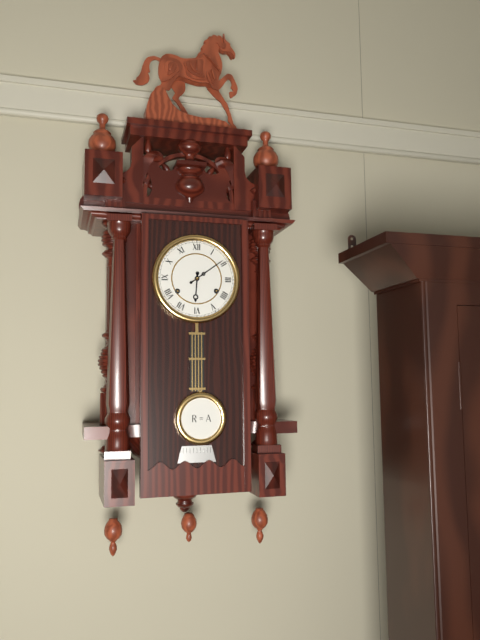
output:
6:09
